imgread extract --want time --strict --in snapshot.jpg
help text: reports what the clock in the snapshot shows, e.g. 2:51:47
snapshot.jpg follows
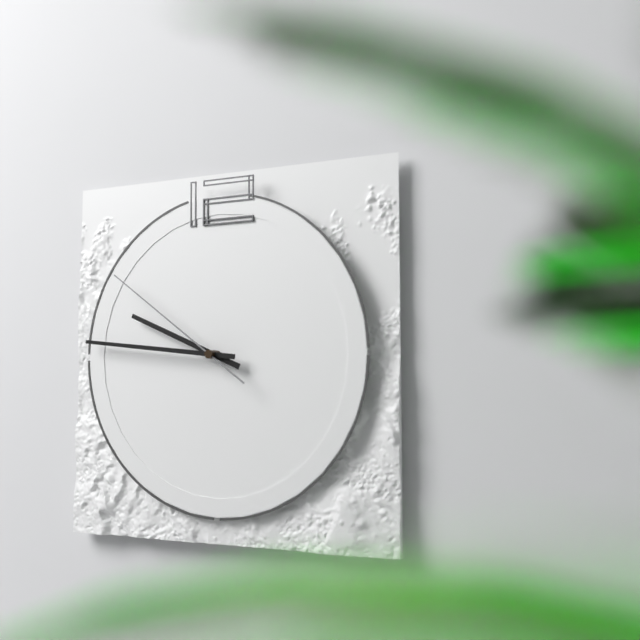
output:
9:46:51
